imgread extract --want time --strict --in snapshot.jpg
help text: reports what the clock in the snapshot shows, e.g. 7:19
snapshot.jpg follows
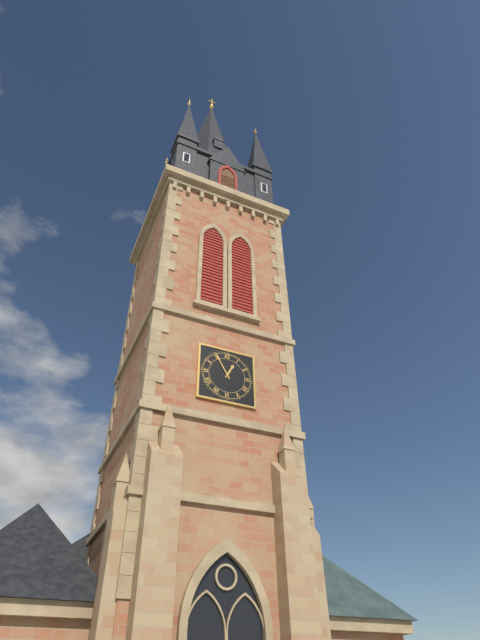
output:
12:55
